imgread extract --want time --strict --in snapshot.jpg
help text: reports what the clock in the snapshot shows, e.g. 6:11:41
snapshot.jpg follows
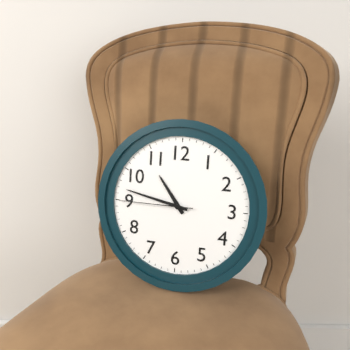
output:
10:47:45
